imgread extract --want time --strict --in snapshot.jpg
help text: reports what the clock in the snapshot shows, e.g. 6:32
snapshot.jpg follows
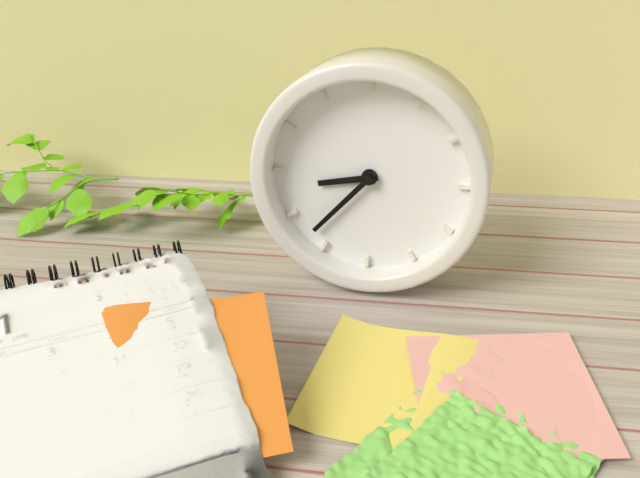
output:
8:37
